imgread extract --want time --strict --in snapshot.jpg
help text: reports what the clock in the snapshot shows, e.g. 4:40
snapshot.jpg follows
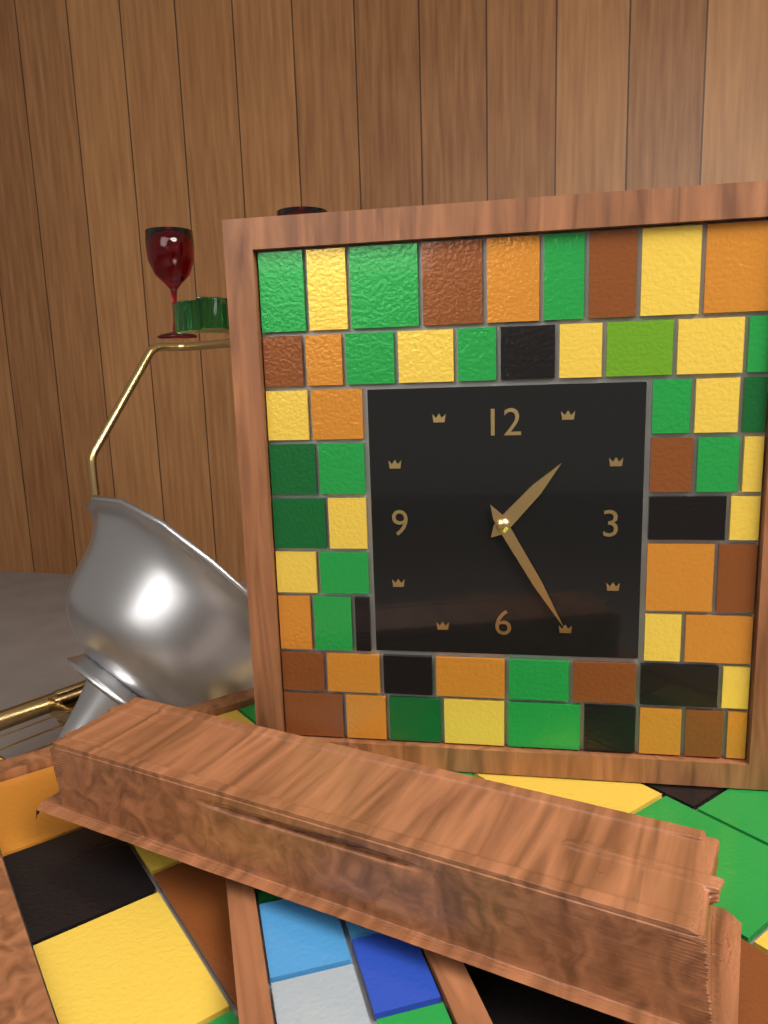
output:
1:25
